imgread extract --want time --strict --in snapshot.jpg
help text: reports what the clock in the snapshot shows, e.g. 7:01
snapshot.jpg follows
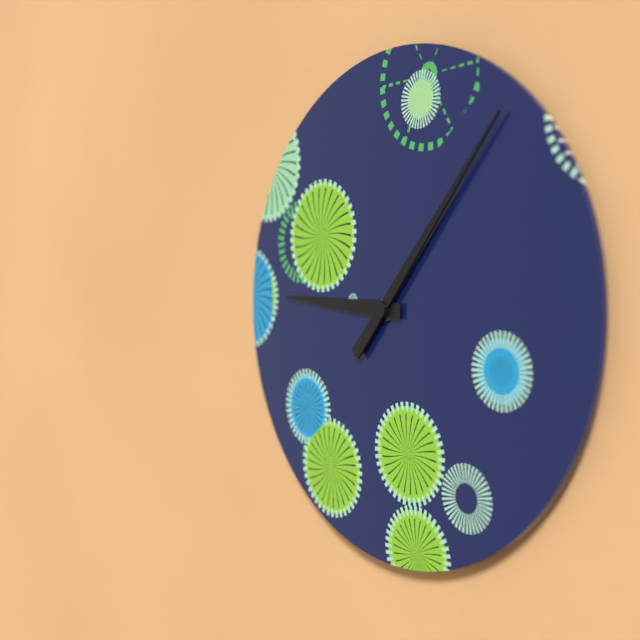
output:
9:07
